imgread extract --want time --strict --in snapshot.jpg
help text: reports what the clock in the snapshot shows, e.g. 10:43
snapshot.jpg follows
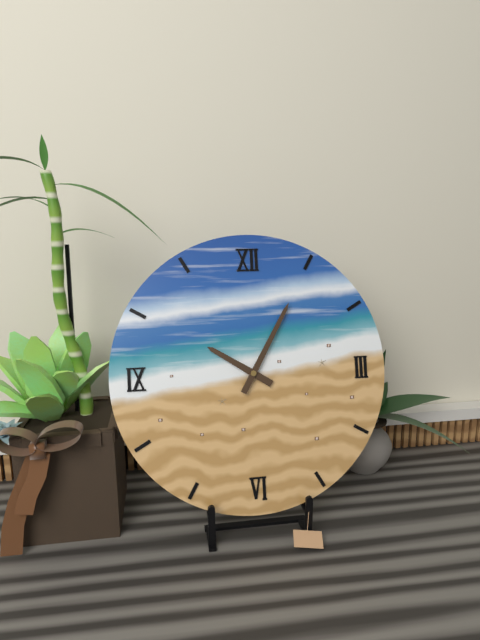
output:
10:05
